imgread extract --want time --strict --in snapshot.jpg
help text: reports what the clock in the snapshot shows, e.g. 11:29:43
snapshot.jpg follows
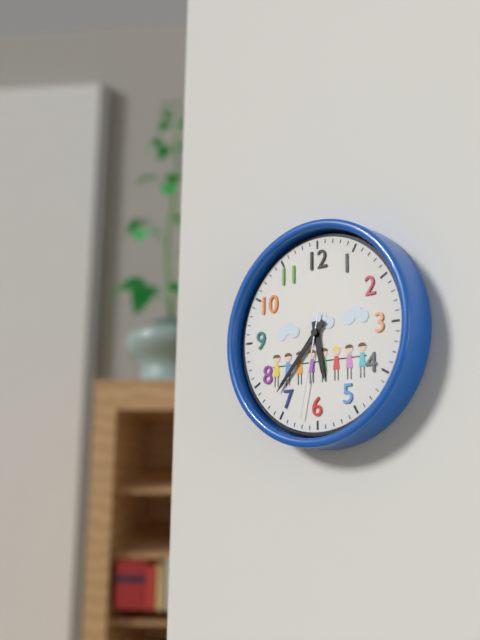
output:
5:37:32
